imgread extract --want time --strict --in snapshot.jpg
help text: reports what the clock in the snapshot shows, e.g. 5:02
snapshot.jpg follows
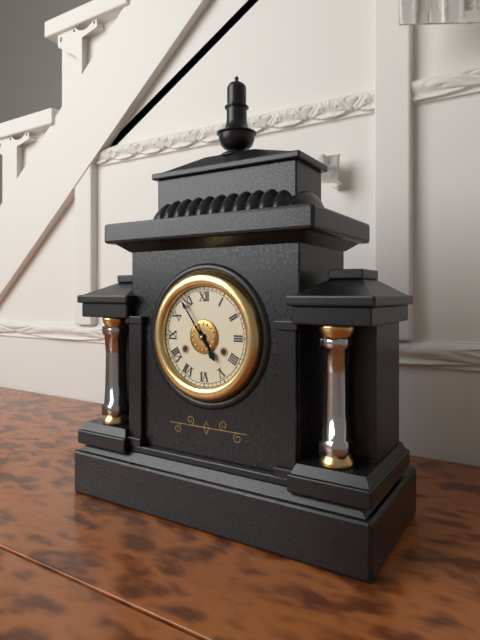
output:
4:54
